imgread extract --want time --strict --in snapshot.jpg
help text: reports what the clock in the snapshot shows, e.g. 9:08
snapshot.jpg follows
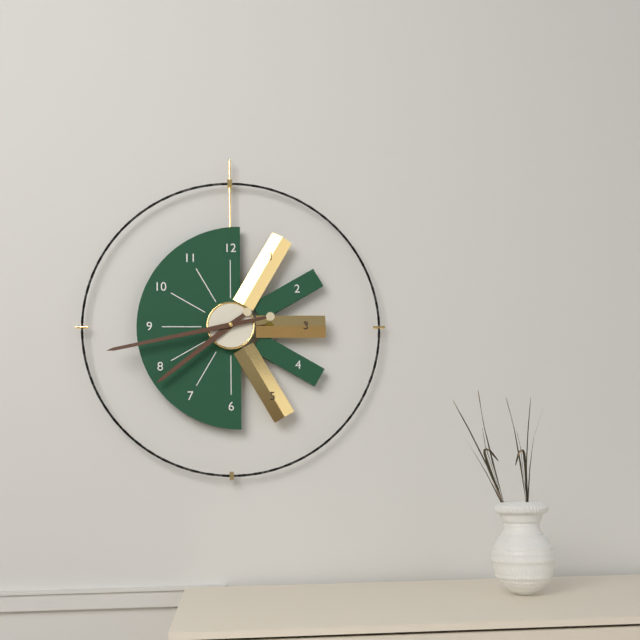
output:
7:43
